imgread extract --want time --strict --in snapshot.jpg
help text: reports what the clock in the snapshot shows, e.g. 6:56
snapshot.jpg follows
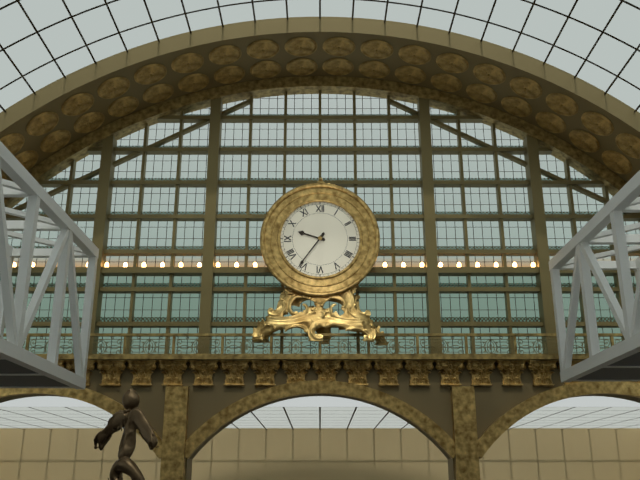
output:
9:36
